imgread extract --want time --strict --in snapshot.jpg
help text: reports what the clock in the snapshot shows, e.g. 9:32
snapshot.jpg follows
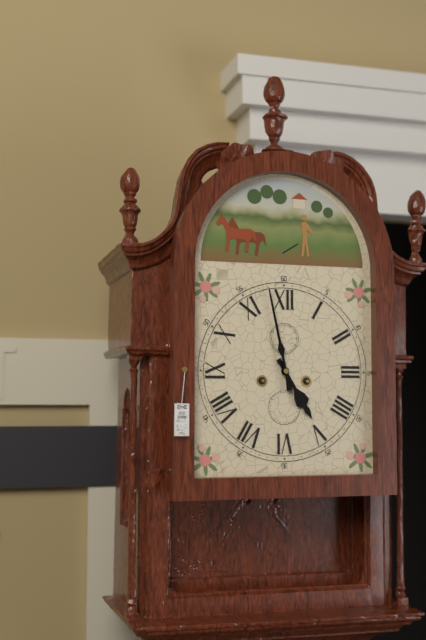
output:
4:58
